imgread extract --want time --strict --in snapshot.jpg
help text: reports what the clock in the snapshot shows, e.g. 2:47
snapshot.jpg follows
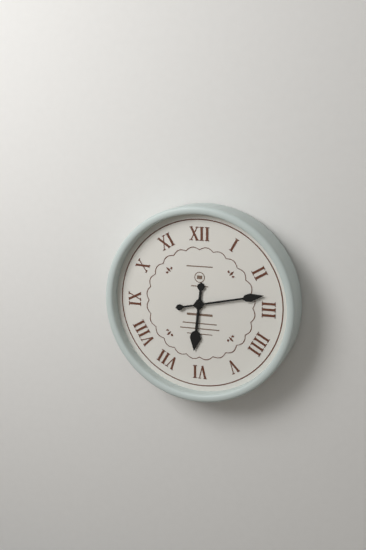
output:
6:13
